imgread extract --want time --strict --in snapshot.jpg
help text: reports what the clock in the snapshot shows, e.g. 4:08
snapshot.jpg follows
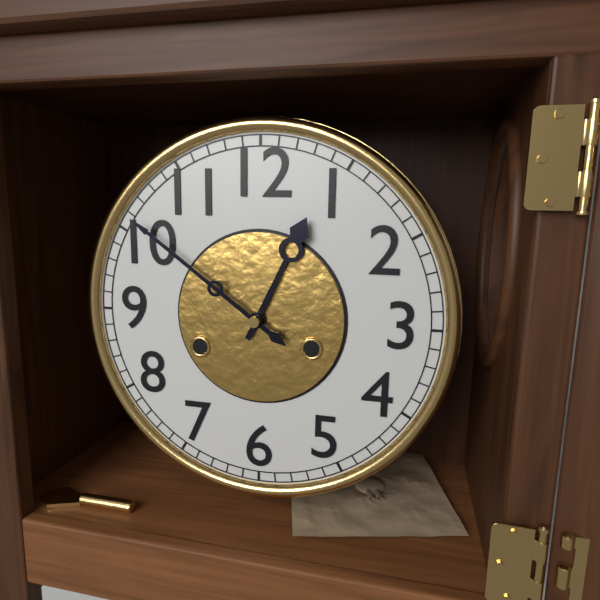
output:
12:51
